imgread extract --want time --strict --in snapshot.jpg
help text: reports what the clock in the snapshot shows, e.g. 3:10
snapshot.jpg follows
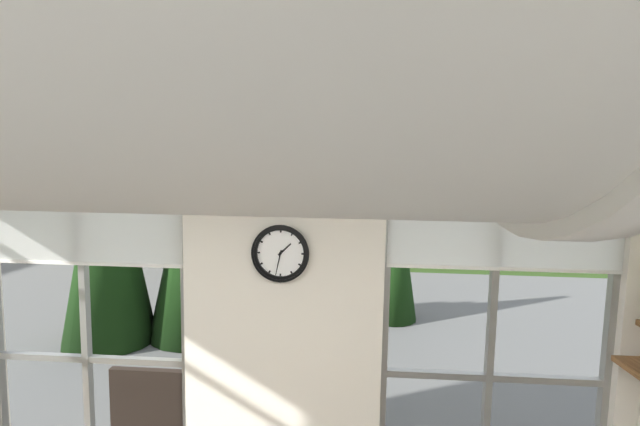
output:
1:32
